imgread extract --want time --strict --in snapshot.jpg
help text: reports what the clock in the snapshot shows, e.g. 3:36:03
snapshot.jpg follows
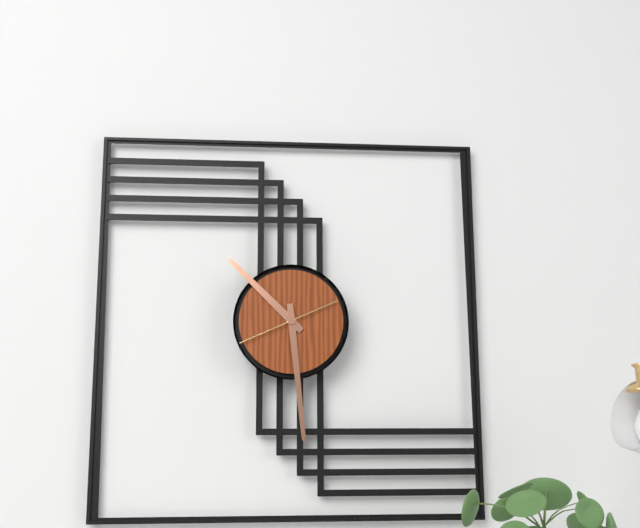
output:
10:29:41
